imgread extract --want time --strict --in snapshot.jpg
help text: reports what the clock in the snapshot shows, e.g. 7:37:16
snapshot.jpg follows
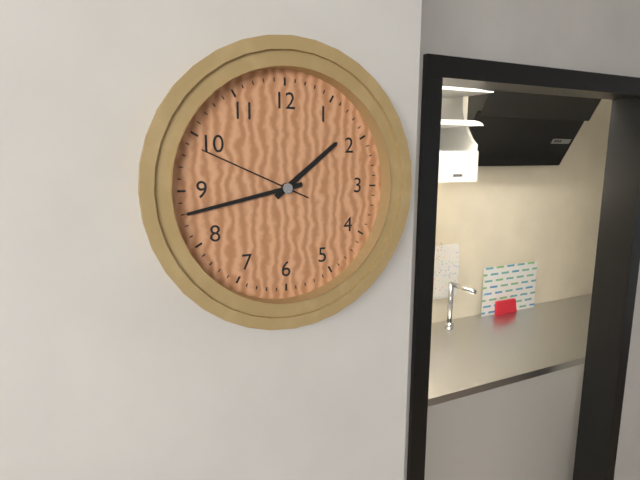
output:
1:43:49
